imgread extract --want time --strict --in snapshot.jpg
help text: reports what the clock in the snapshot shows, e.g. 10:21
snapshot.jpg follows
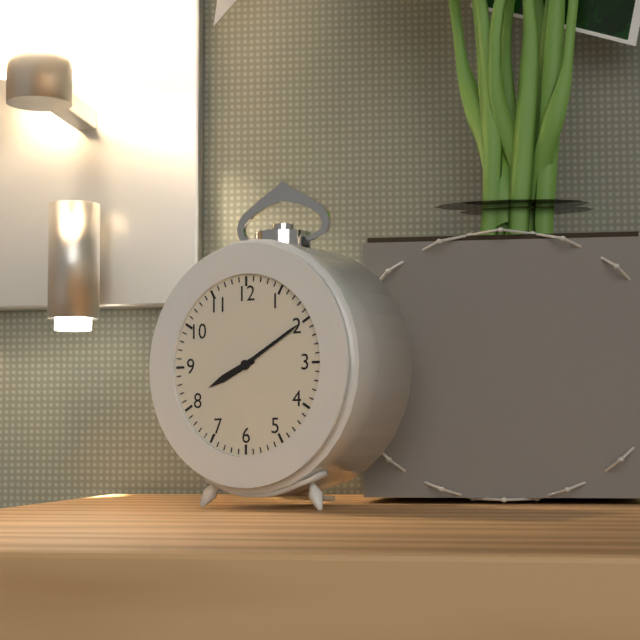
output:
8:10
